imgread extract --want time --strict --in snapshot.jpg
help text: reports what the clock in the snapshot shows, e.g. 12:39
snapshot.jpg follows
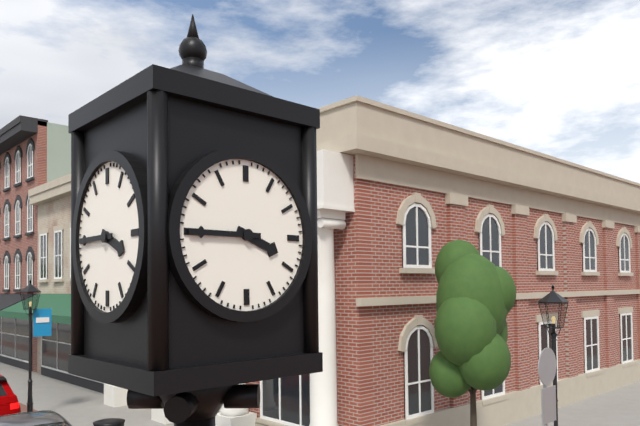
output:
3:45
